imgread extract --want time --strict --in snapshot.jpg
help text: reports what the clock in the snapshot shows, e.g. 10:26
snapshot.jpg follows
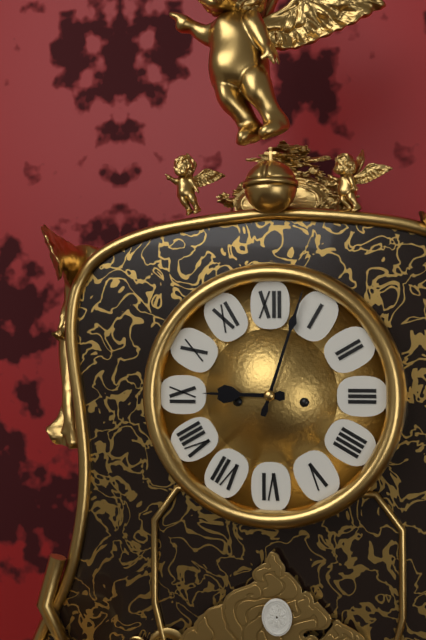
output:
9:03
